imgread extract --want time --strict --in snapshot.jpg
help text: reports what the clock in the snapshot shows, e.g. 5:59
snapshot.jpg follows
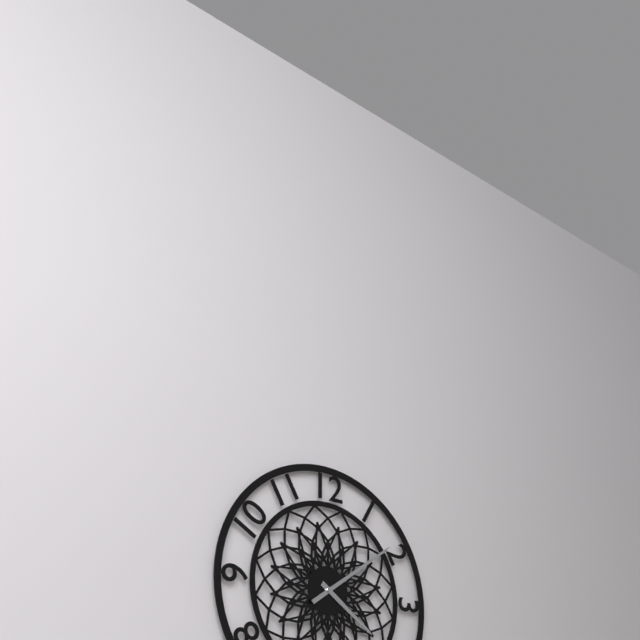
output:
4:09
